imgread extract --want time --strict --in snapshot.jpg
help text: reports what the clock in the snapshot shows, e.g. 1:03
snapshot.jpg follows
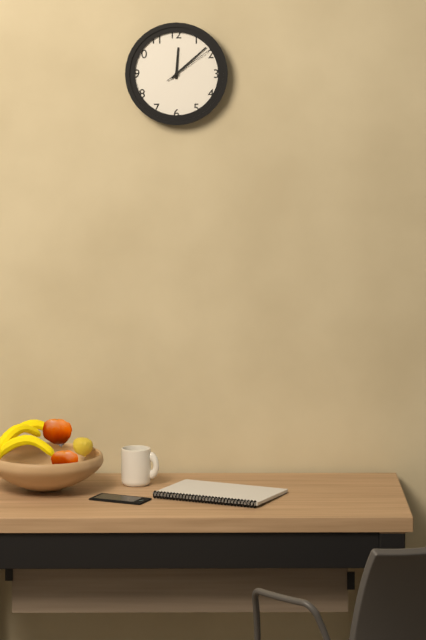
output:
12:08
